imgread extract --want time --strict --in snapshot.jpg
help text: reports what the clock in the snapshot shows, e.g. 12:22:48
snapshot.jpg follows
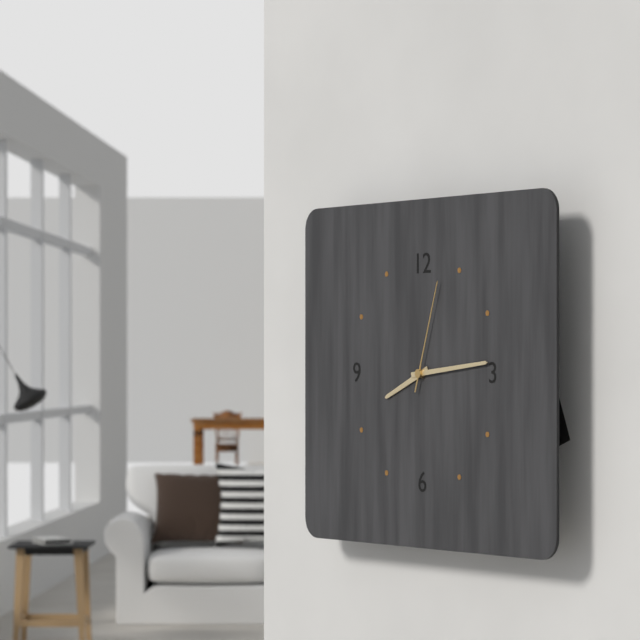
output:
8:14:03
